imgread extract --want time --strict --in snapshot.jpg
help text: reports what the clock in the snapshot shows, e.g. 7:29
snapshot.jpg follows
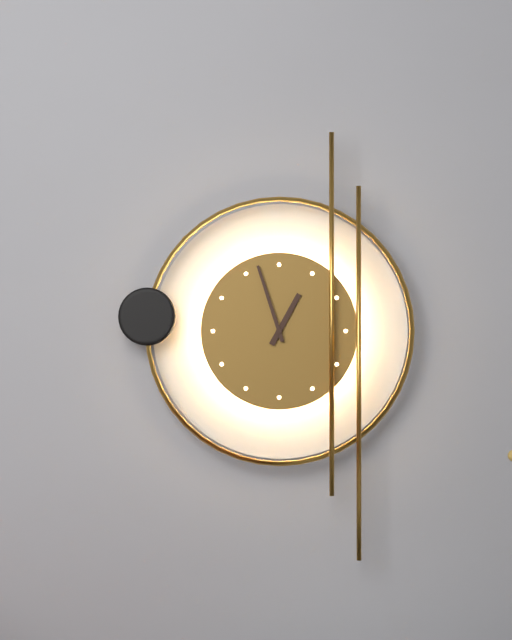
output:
12:57
